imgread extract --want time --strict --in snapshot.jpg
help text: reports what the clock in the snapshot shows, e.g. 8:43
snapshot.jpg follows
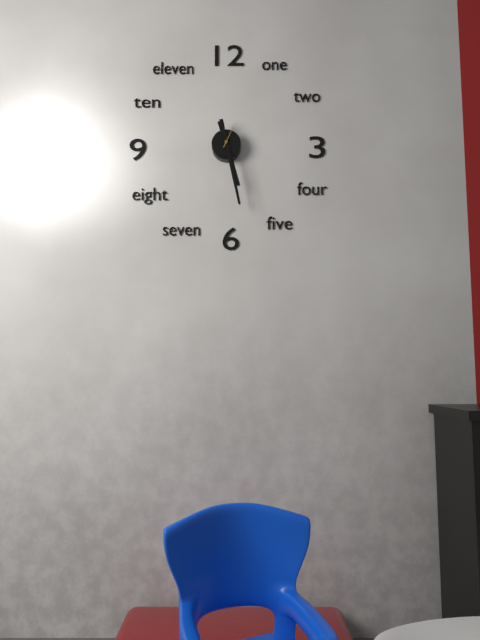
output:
5:28
